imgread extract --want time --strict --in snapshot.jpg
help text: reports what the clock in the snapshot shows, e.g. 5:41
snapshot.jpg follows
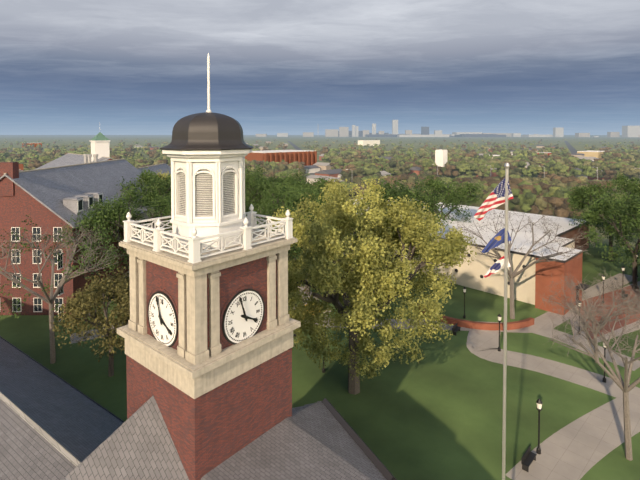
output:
3:57
